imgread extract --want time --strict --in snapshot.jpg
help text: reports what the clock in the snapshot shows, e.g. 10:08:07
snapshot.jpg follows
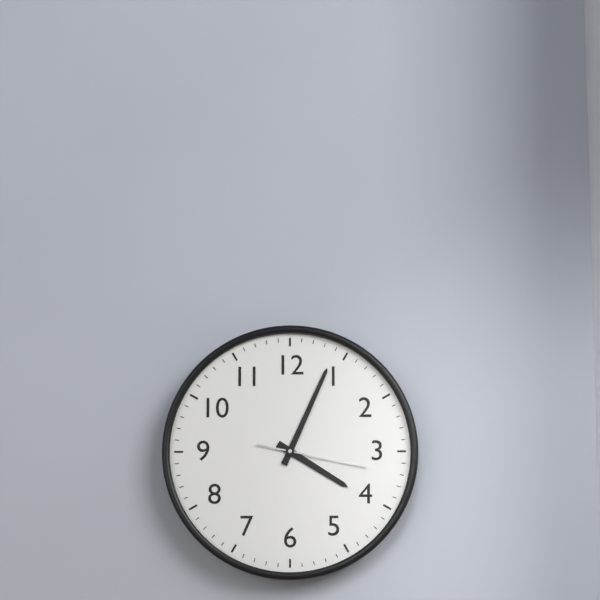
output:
4:04:17
